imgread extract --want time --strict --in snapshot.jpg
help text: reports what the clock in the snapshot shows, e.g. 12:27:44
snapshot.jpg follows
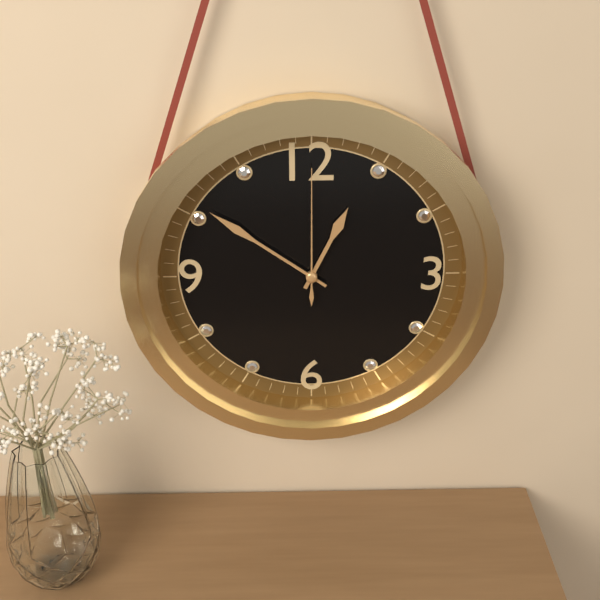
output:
12:51:00
